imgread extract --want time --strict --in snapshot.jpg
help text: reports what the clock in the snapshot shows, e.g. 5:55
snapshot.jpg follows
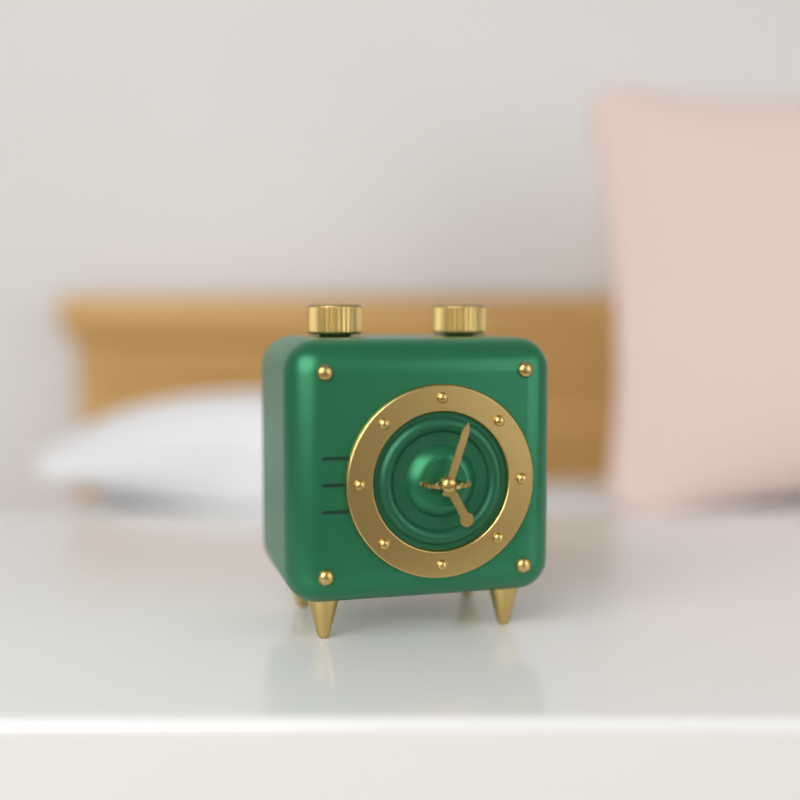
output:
5:03
